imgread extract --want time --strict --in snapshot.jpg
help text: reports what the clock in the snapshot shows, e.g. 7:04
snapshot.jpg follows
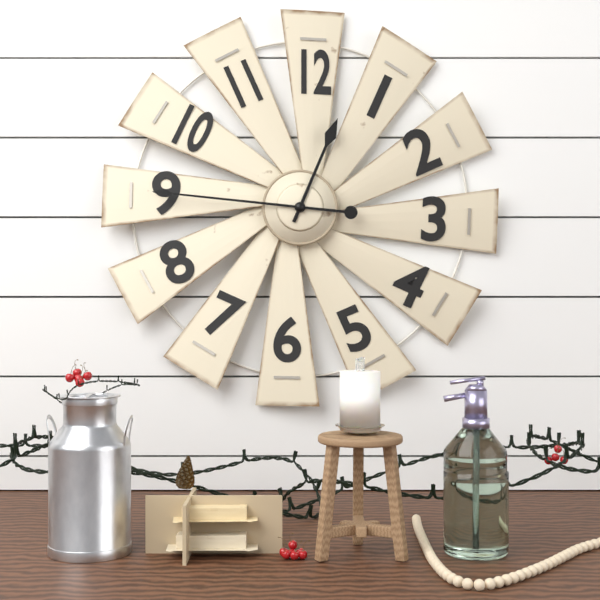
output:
12:46
